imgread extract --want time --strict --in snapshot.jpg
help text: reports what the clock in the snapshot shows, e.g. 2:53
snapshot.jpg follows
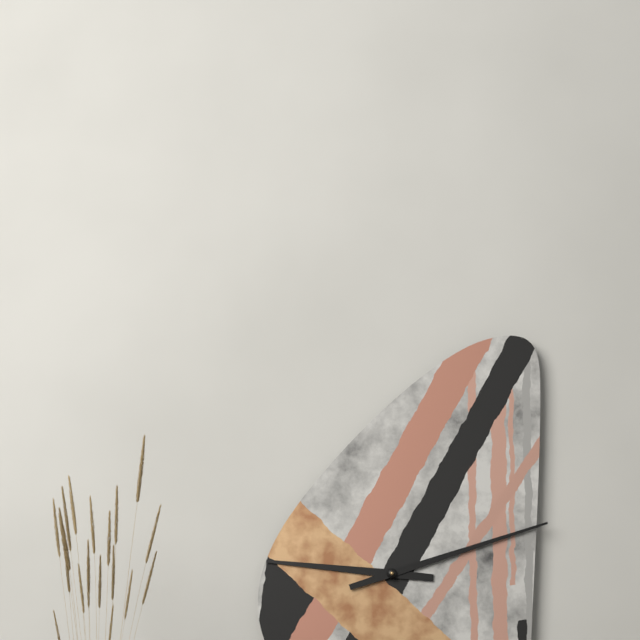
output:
9:12
